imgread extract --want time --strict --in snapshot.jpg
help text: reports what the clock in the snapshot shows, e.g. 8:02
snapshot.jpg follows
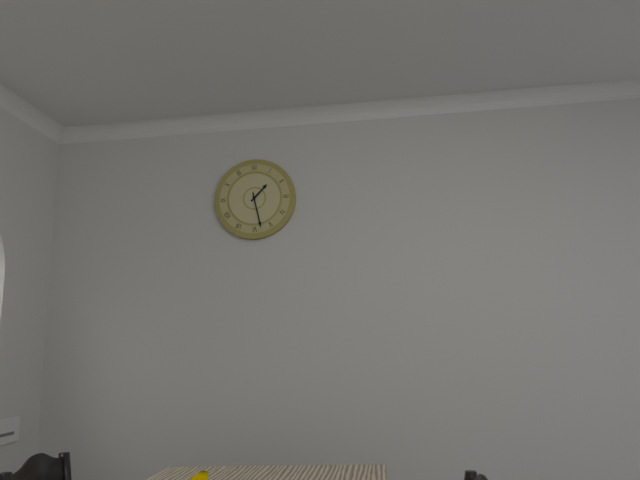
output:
1:28
